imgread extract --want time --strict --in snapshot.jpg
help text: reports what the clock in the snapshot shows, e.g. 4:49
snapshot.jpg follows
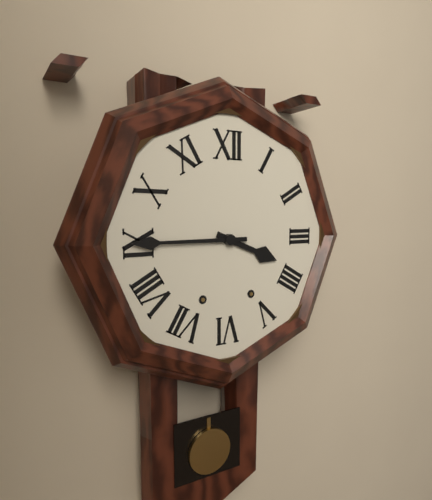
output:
3:45
